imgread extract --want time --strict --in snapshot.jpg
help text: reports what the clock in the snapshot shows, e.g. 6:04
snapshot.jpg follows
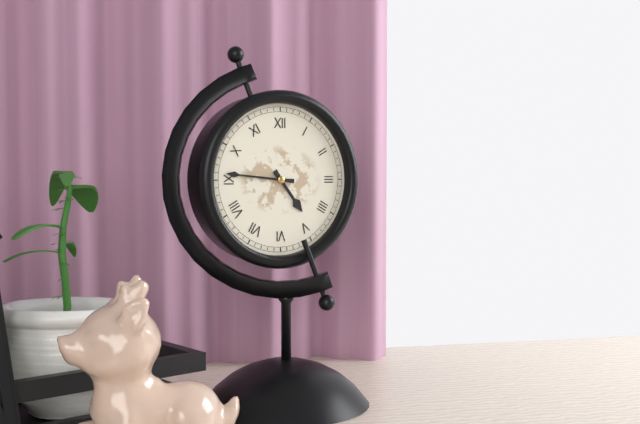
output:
4:46
